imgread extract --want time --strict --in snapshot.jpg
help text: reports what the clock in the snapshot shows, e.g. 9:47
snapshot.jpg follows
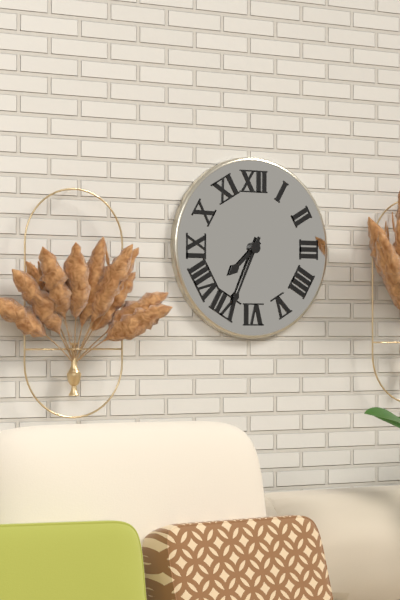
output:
7:34
